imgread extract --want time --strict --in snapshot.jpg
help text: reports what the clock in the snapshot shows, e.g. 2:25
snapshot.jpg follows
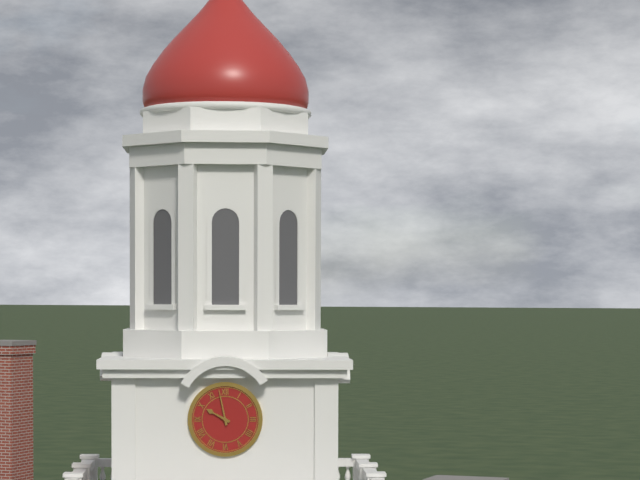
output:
9:58
